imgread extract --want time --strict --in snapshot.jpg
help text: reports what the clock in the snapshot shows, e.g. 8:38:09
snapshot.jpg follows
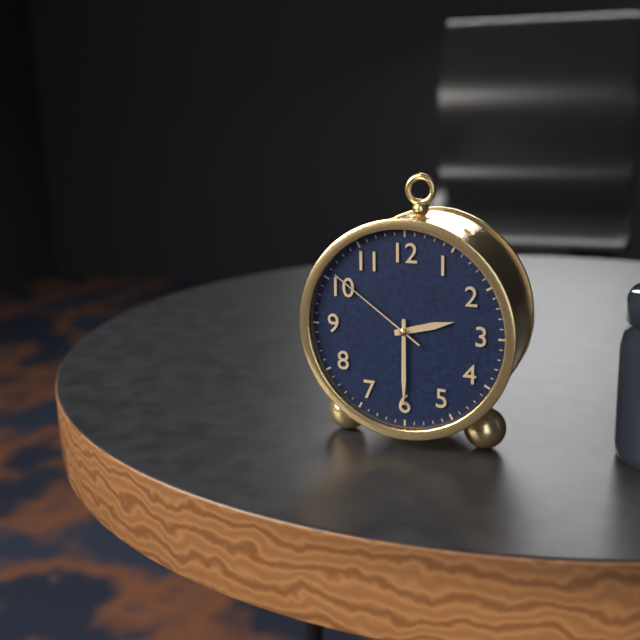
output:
2:30:51
